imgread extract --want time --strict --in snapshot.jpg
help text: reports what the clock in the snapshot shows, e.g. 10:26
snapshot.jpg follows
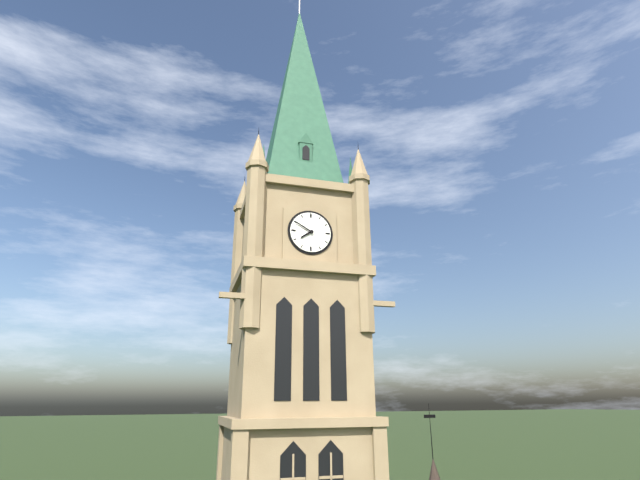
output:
7:50
